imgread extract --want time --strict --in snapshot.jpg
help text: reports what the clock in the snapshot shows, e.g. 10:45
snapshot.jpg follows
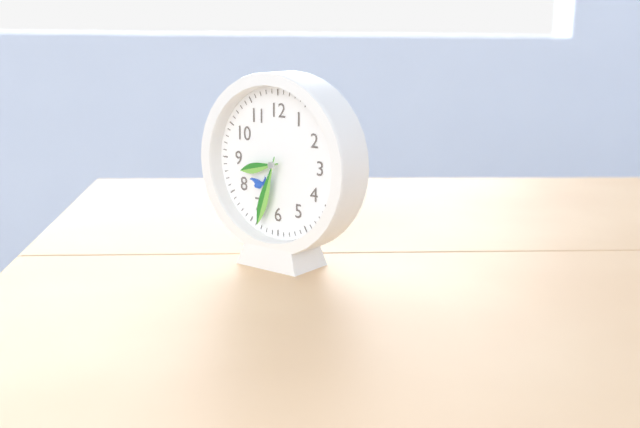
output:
8:33
